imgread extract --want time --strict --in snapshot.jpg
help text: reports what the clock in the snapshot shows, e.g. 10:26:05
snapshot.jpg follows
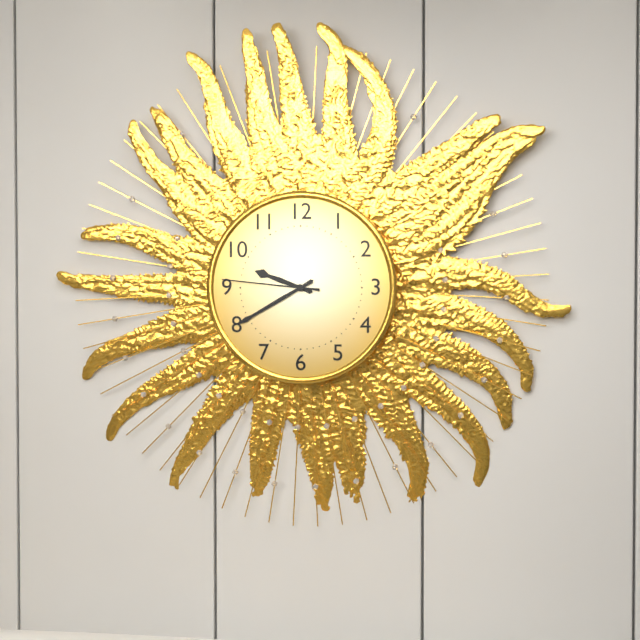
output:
9:40:46
